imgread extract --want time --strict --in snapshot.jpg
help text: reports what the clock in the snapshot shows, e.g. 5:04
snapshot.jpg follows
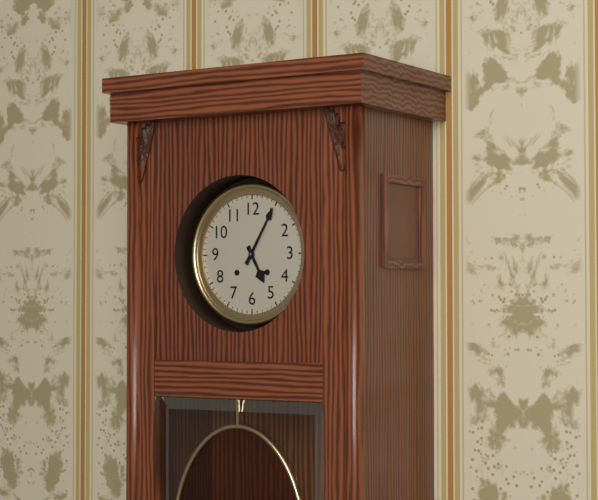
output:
5:05
